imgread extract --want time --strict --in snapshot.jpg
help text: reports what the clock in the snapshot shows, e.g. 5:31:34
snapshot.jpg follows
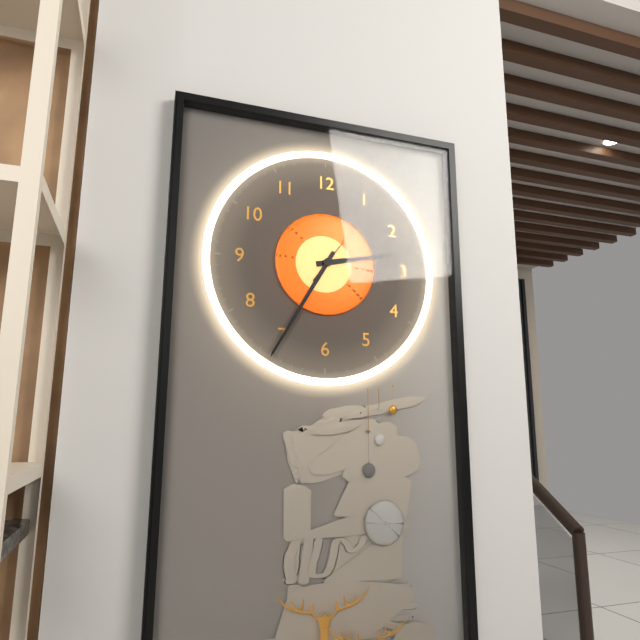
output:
2:35:06
